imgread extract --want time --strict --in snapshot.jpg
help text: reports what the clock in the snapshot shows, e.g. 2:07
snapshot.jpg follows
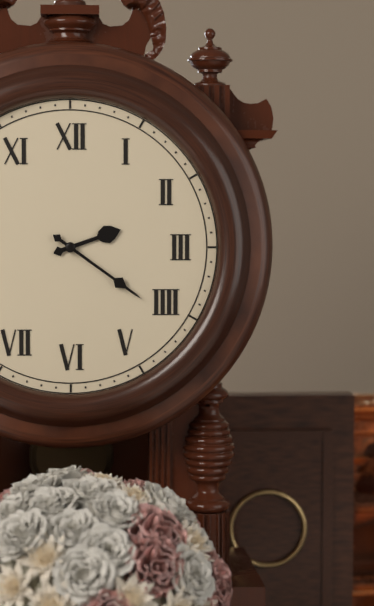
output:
2:21
